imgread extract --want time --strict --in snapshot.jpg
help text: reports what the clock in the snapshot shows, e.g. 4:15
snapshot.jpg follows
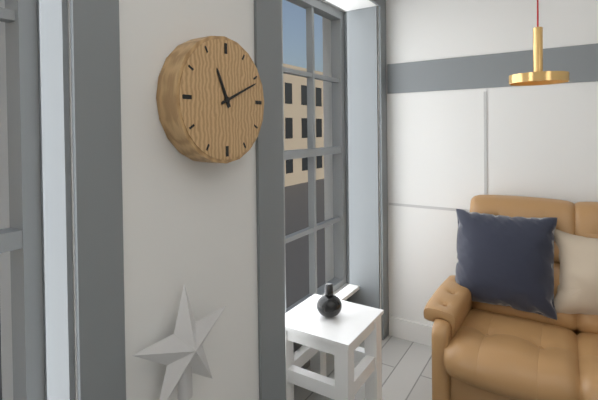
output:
11:11
